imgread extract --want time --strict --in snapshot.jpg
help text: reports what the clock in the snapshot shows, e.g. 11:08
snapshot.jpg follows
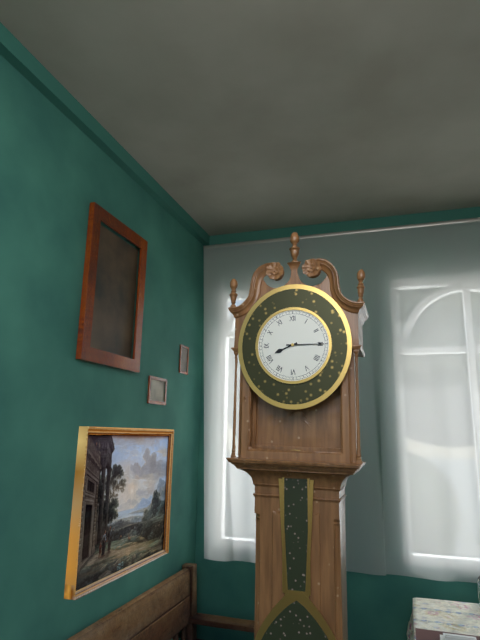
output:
8:15
